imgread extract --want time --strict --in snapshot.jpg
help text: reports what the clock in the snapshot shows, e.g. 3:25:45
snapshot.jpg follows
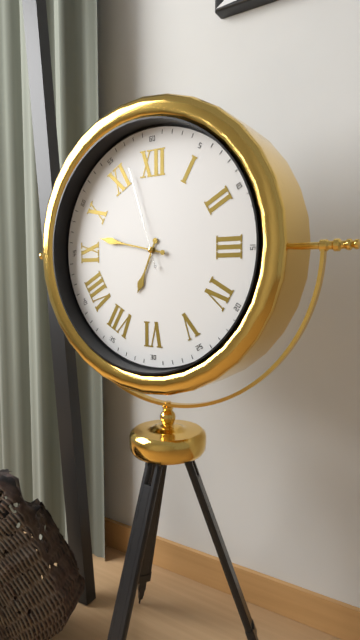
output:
6:47:57
